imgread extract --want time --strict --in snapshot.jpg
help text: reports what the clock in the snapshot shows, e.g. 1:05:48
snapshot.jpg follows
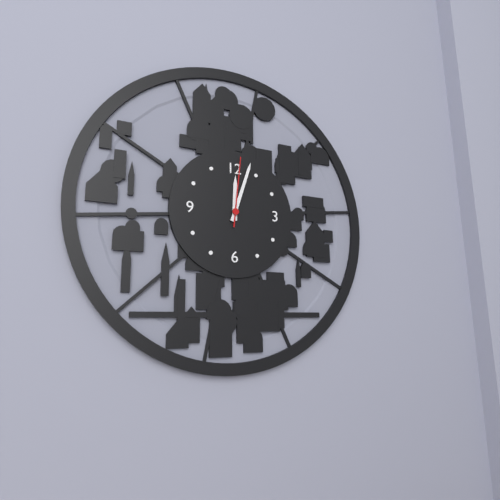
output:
12:03:01
